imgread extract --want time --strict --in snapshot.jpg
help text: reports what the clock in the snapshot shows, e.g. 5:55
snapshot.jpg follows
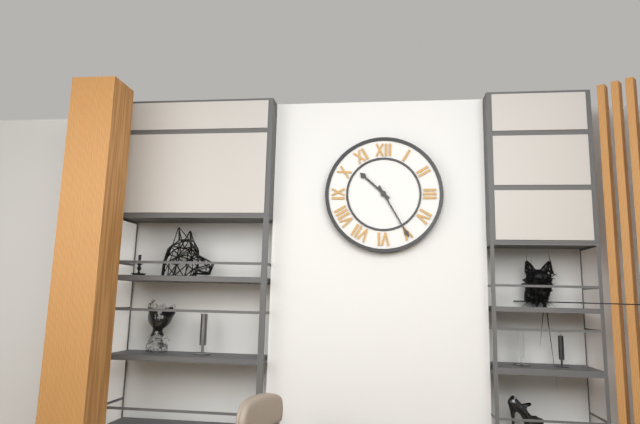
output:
10:25
